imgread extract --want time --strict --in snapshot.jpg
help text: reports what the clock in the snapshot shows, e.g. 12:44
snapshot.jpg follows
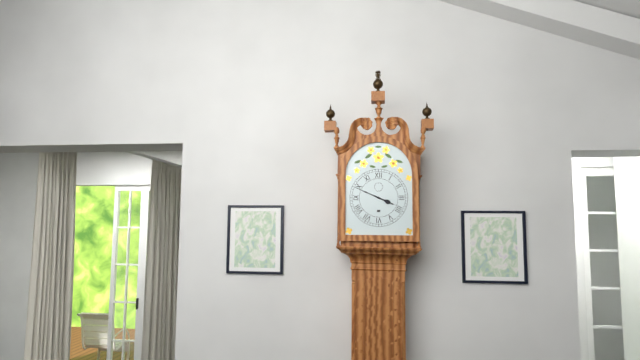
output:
3:49
